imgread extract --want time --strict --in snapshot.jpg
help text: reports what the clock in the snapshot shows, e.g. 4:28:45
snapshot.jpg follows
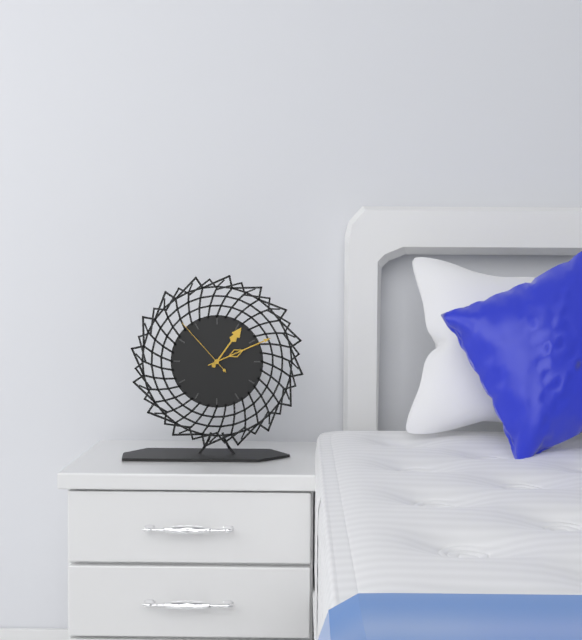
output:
1:11:53
